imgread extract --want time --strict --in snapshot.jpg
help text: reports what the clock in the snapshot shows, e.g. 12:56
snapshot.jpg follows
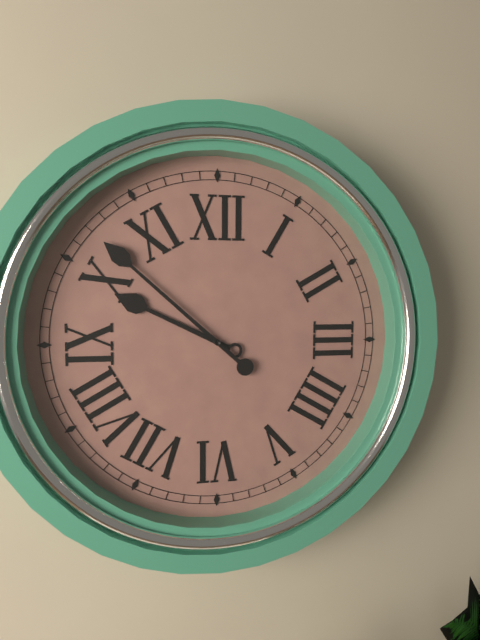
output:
9:52
